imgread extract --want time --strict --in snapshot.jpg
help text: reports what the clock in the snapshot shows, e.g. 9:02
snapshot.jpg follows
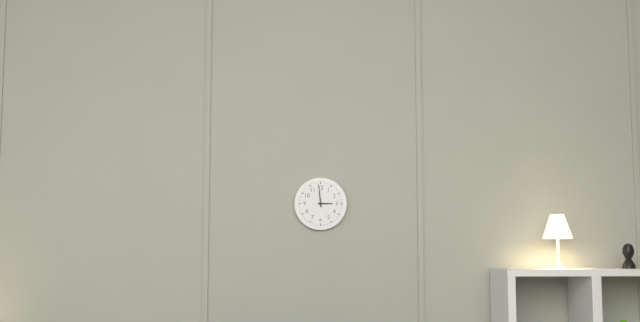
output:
2:59
